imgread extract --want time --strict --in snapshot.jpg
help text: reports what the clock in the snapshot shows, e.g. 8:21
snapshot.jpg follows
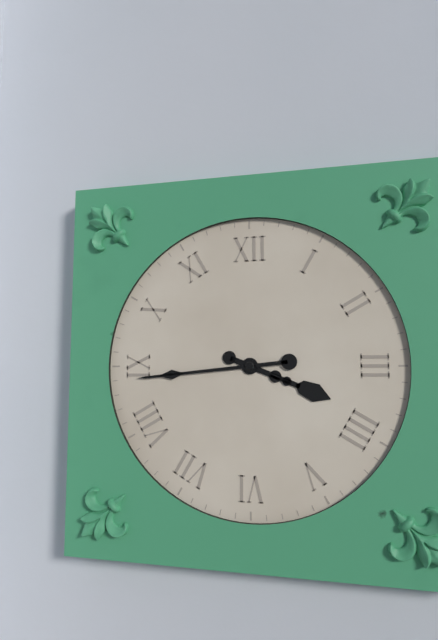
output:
3:44
